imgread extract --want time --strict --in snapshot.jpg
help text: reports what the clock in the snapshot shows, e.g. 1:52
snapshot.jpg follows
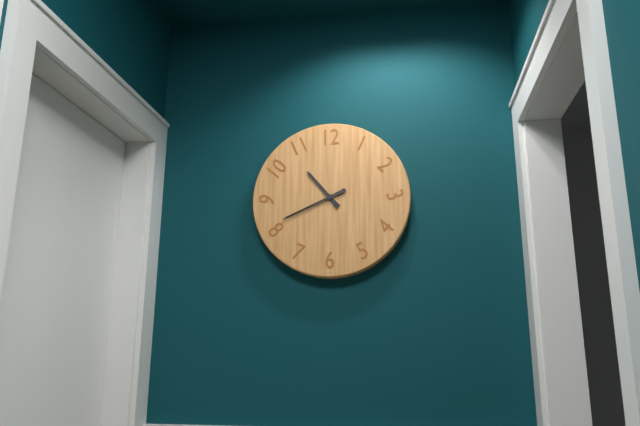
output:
10:41
